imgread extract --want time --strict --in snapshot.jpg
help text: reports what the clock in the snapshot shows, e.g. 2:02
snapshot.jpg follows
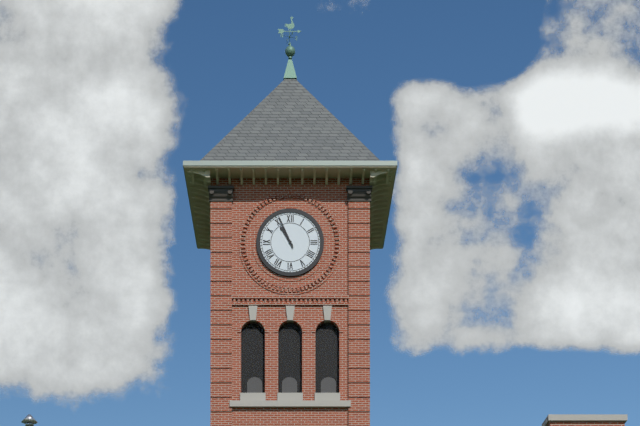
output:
10:56
